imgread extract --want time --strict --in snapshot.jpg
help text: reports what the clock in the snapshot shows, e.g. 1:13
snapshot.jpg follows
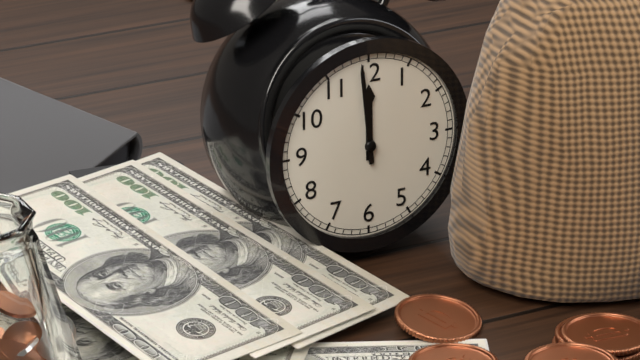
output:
11:59
